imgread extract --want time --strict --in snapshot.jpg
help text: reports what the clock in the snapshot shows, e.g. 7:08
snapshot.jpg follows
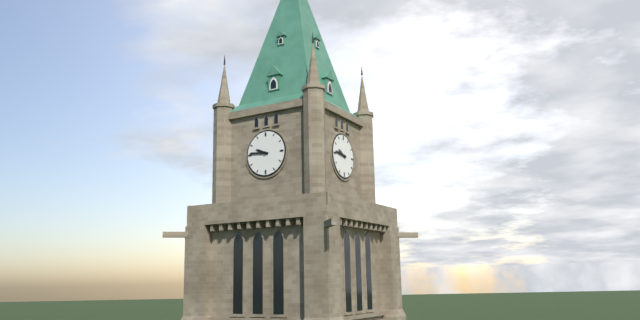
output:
9:46
